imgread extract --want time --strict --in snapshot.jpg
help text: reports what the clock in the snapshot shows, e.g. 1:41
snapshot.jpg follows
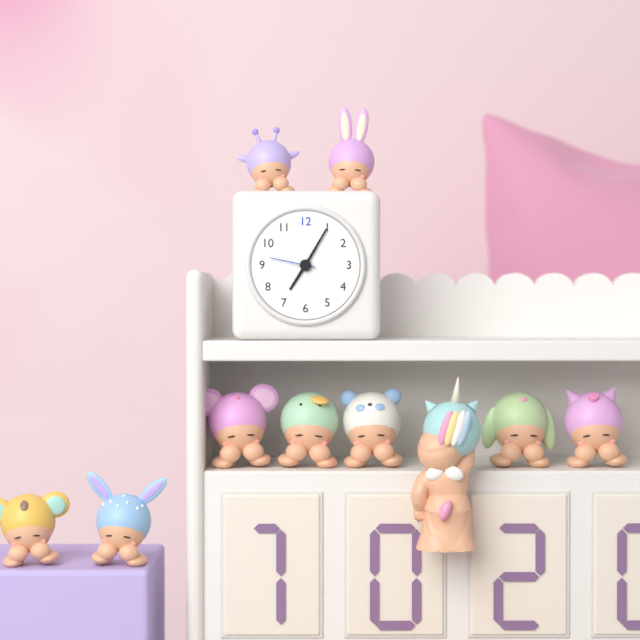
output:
7:05
